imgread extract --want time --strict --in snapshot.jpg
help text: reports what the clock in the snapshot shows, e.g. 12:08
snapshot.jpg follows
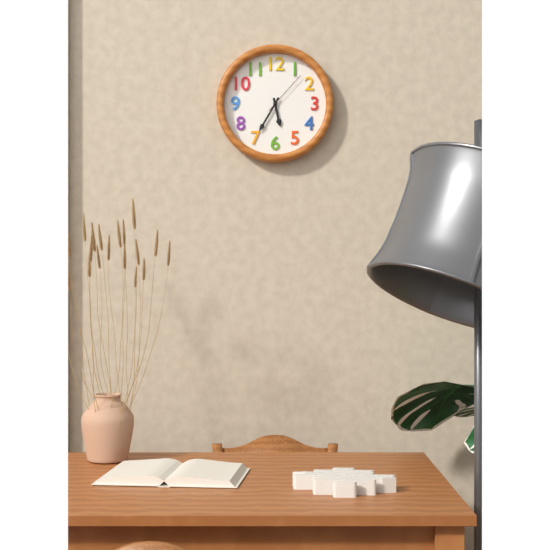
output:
5:35
